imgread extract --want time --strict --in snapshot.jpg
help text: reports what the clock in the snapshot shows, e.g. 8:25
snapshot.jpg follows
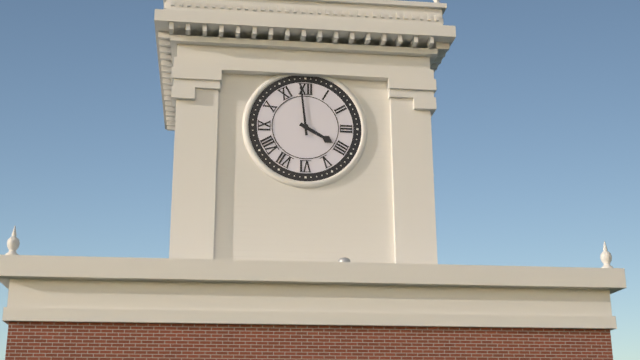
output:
3:59
